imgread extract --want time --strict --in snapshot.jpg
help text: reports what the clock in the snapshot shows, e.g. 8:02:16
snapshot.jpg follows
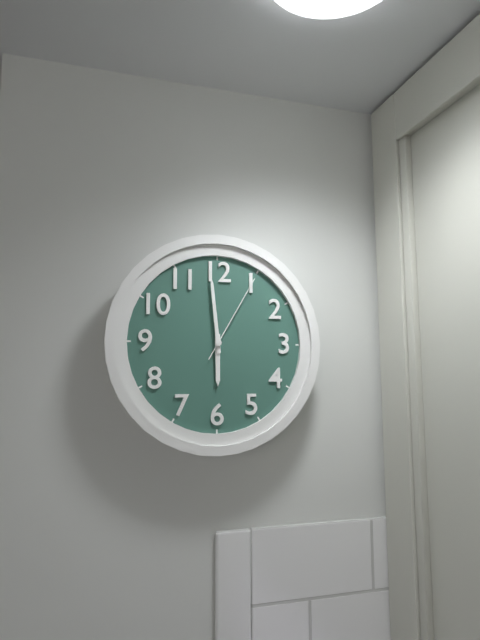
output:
5:59:05
